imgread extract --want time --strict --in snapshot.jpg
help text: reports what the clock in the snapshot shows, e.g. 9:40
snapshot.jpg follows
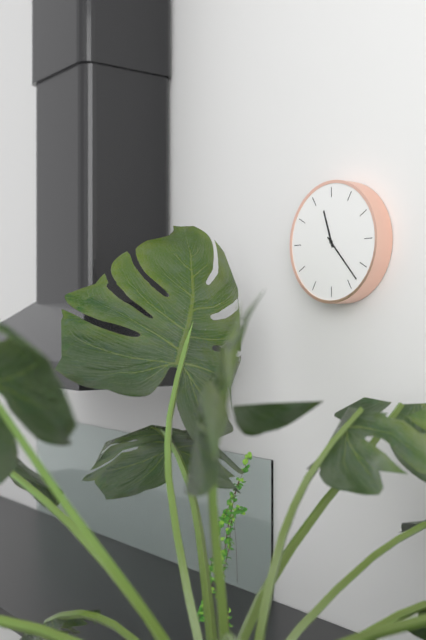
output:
11:23
